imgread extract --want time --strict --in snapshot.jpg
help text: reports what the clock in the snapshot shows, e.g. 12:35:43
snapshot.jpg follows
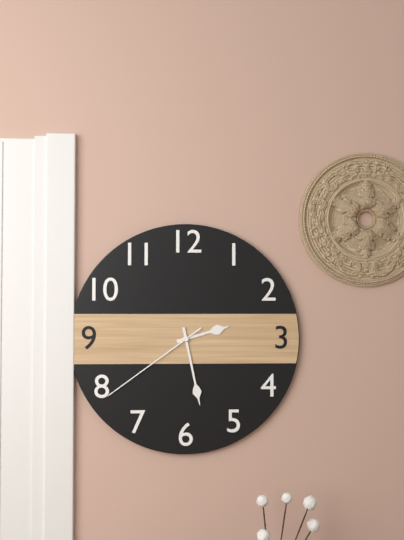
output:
2:28:39
